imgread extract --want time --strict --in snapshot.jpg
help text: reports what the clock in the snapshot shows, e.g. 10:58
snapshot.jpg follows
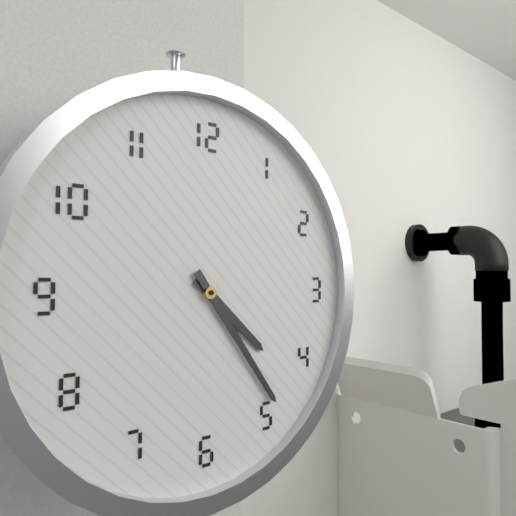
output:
4:24
